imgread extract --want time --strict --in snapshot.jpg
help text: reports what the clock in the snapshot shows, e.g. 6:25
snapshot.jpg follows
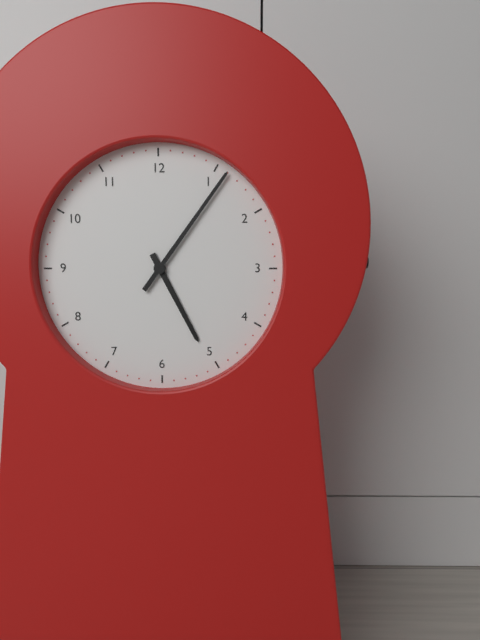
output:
5:06
